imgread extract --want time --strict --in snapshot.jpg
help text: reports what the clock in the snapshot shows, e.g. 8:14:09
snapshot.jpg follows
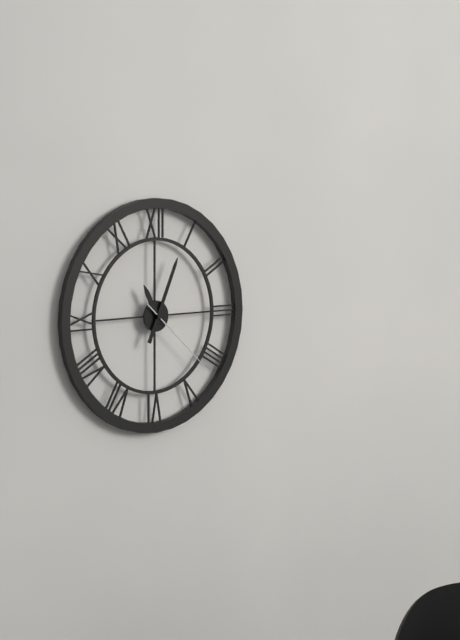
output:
11:04:22
